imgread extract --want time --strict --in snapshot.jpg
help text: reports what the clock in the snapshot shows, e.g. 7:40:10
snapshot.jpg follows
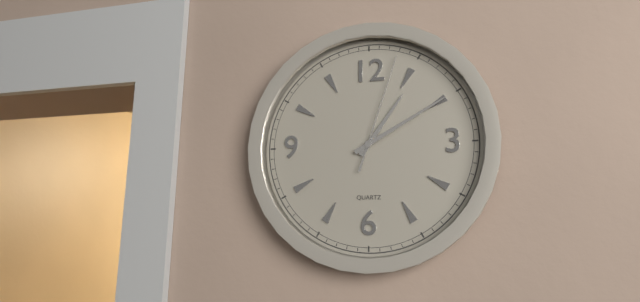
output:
1:10:03
